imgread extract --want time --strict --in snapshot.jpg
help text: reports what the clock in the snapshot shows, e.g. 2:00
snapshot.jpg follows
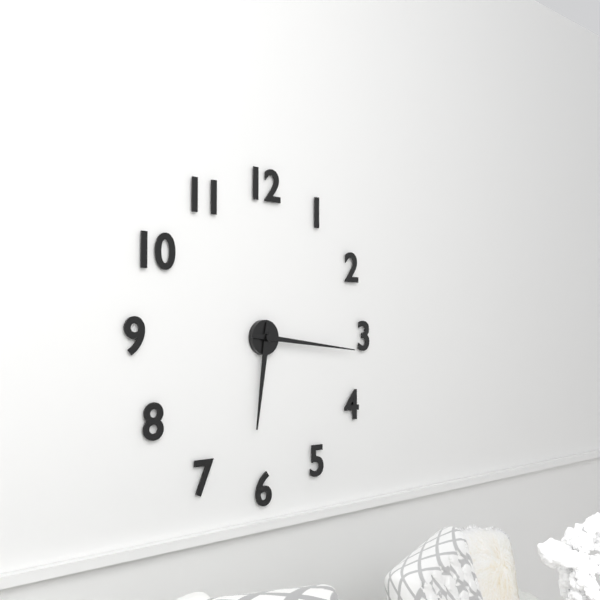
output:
6:16
